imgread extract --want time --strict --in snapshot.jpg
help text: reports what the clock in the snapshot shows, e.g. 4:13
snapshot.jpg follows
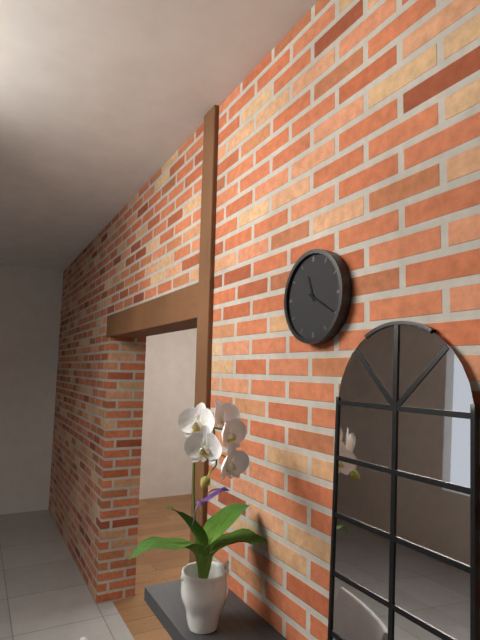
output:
11:20
